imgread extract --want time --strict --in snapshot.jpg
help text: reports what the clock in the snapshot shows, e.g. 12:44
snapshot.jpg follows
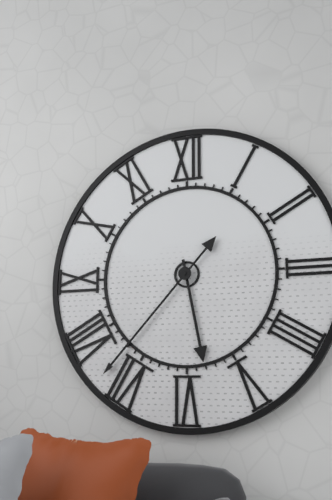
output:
5:37
